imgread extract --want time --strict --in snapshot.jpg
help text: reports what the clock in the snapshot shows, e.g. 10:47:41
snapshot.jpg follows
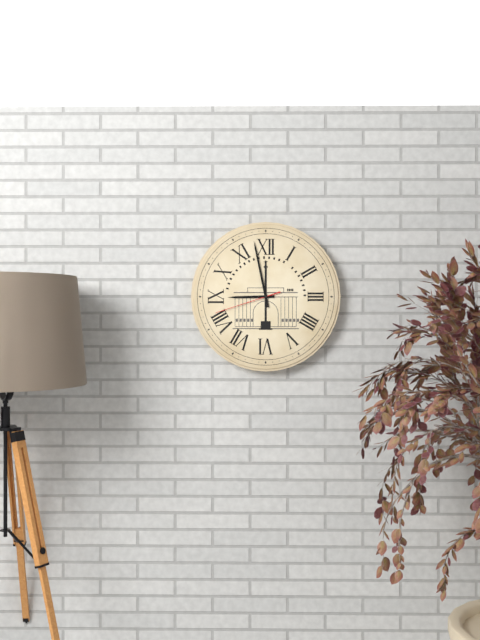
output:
8:58:42
